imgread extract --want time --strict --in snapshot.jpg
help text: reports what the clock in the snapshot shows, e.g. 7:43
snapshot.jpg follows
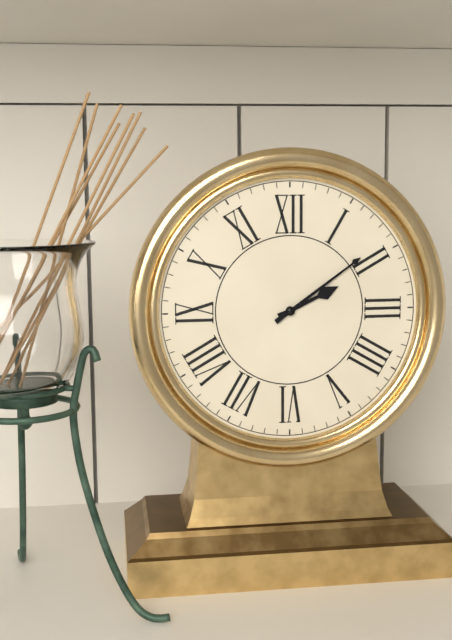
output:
2:09
